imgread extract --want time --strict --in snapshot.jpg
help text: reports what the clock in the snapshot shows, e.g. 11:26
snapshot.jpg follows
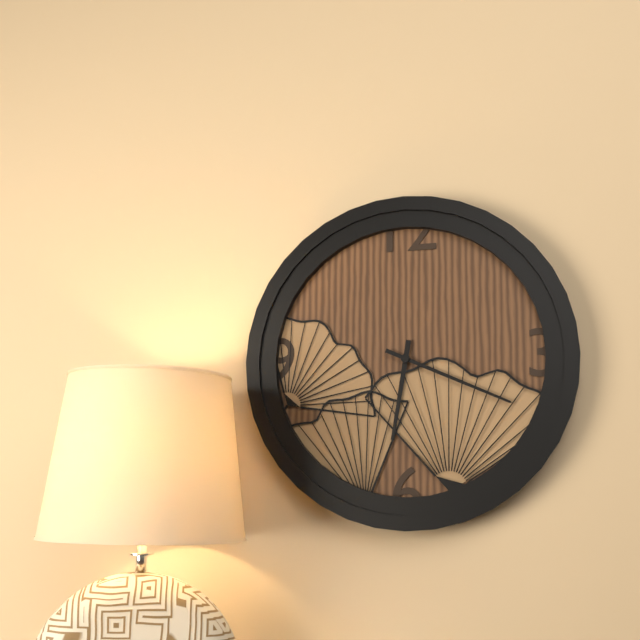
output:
6:19
